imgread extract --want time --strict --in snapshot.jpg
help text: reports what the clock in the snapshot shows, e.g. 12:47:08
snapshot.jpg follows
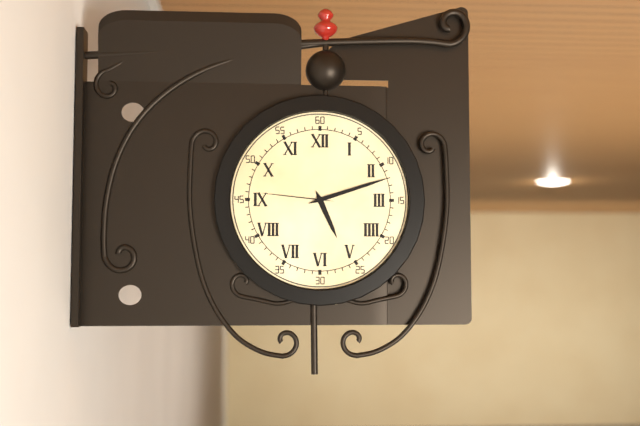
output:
5:12:46
